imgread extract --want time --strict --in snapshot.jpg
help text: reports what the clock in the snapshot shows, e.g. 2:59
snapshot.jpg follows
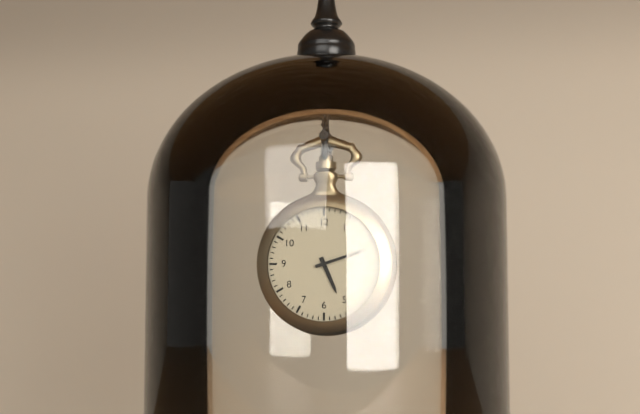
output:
5:12
